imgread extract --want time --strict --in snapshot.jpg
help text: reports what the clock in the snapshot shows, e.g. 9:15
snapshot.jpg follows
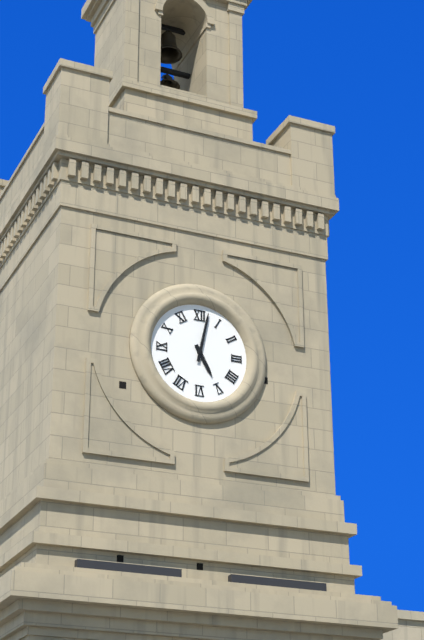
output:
5:02
